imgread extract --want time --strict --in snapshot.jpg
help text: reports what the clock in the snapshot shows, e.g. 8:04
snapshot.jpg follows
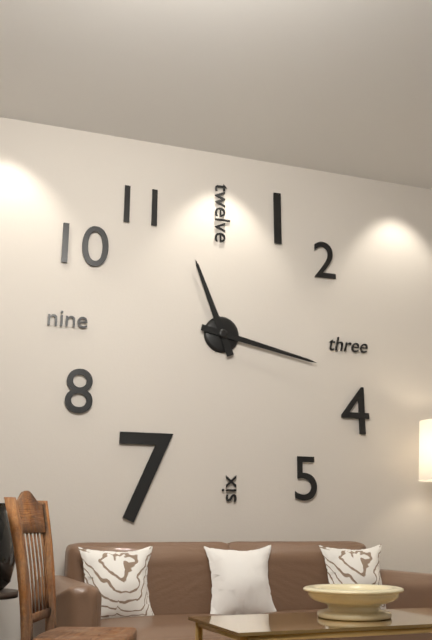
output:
11:17
